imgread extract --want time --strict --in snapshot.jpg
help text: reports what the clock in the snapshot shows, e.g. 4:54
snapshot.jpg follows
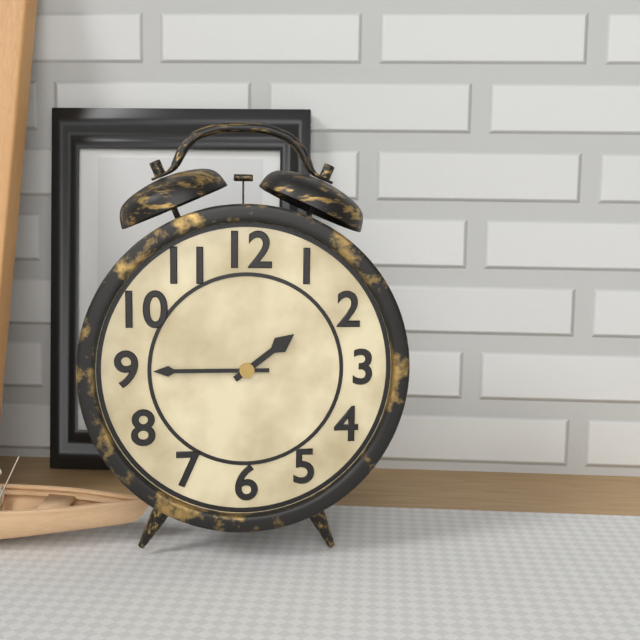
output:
1:45
